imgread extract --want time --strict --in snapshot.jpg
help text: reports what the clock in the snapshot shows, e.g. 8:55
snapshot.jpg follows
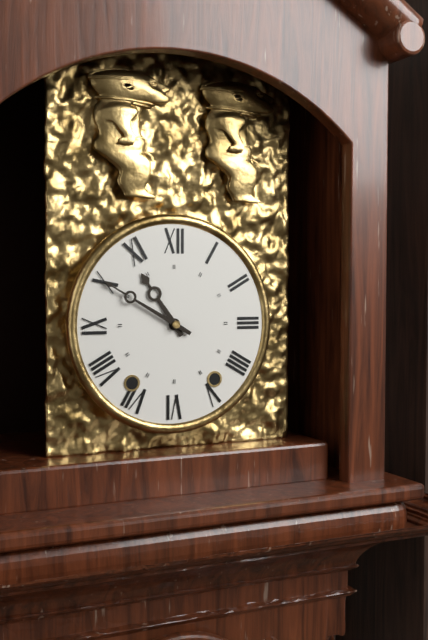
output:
10:50
